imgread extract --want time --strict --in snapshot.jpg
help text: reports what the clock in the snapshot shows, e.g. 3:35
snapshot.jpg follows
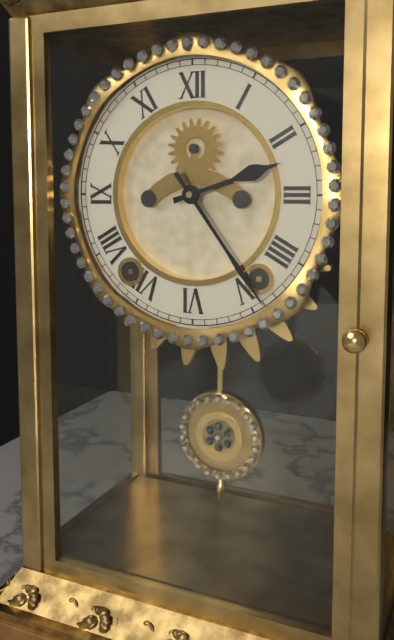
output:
2:24
